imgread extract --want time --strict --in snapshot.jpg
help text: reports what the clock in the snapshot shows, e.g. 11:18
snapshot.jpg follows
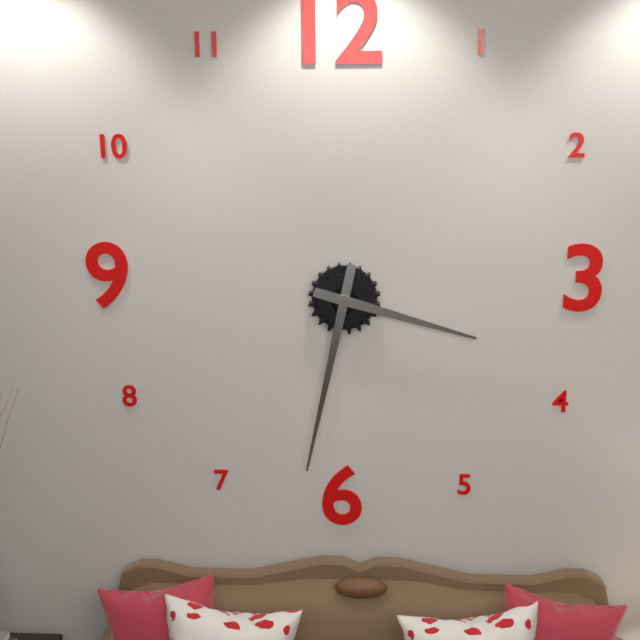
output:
3:32
